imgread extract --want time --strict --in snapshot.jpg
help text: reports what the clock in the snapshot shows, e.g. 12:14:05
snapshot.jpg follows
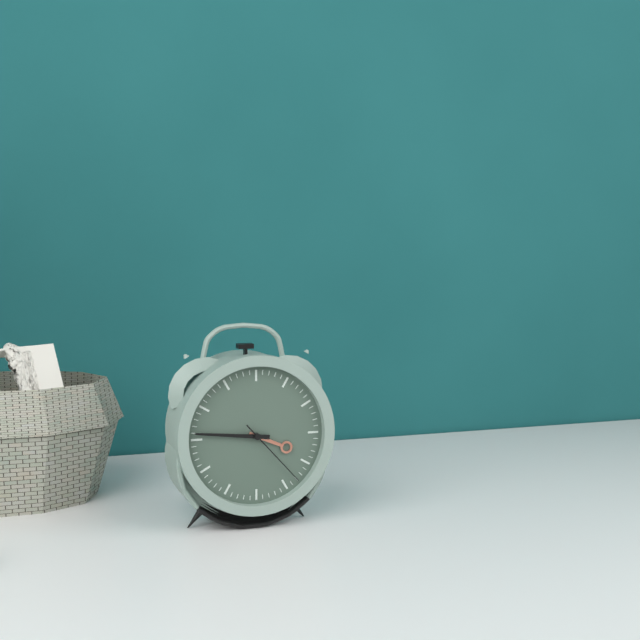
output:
3:46:23
